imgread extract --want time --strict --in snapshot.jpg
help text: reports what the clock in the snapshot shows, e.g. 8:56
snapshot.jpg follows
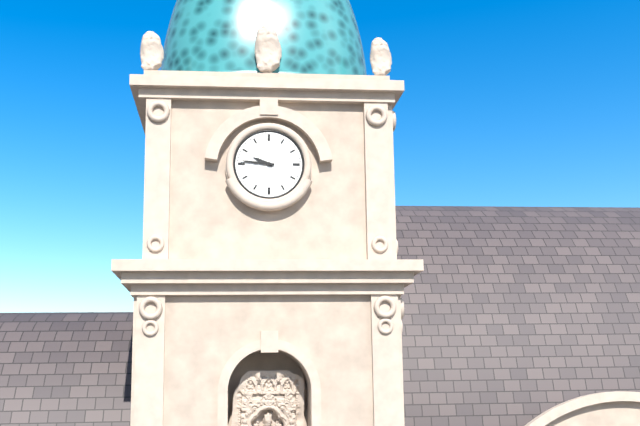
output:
9:46
